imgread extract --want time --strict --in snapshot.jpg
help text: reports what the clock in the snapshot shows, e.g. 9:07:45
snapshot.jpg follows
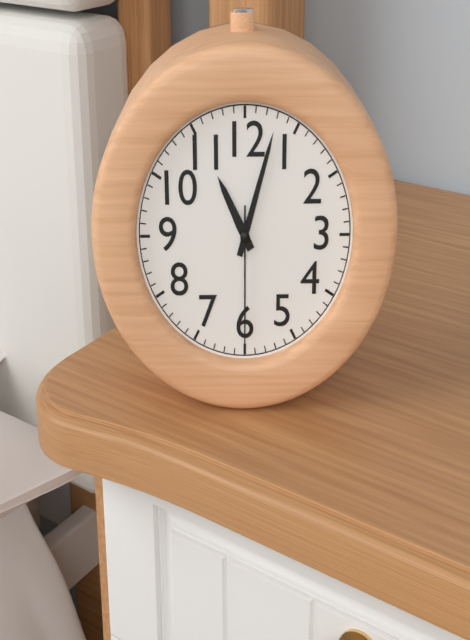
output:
11:03:30
